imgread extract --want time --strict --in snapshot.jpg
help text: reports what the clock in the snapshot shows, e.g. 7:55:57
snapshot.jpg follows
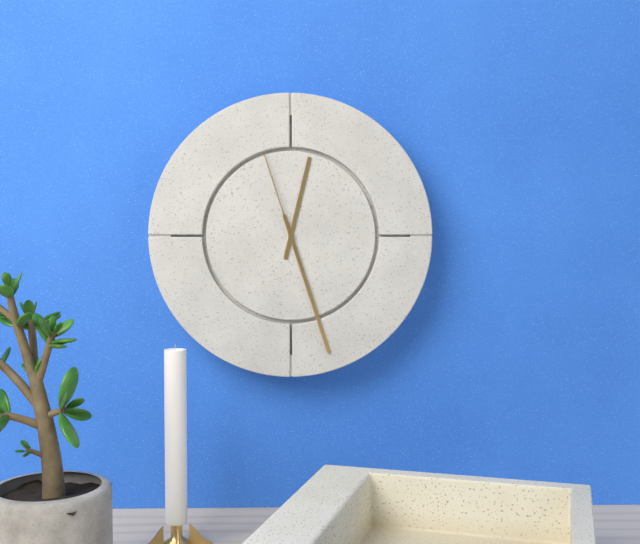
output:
12:27:57
